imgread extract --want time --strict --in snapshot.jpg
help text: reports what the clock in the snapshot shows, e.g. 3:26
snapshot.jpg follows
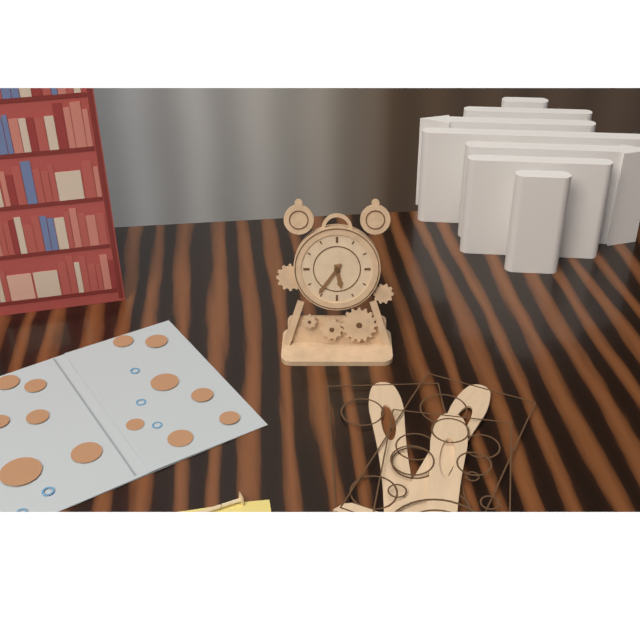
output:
5:36
